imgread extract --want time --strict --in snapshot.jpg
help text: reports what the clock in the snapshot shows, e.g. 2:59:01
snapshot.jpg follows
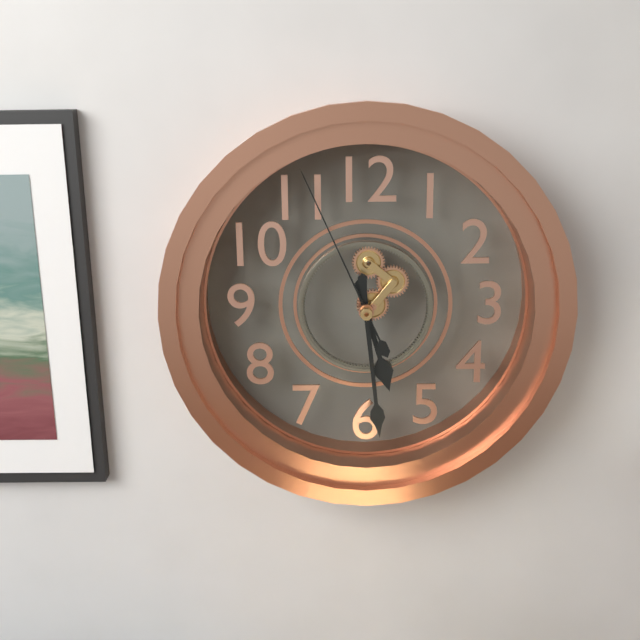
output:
5:29:56
